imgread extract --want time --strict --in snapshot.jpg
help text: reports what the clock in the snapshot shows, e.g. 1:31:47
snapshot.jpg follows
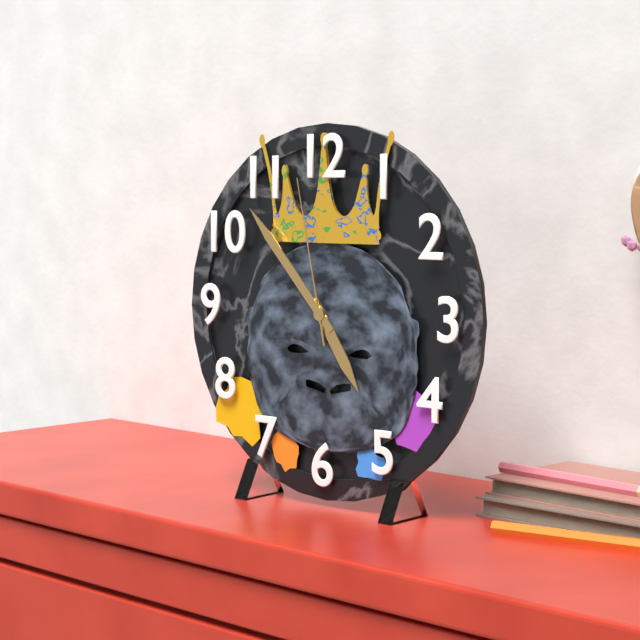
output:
4:53:58
